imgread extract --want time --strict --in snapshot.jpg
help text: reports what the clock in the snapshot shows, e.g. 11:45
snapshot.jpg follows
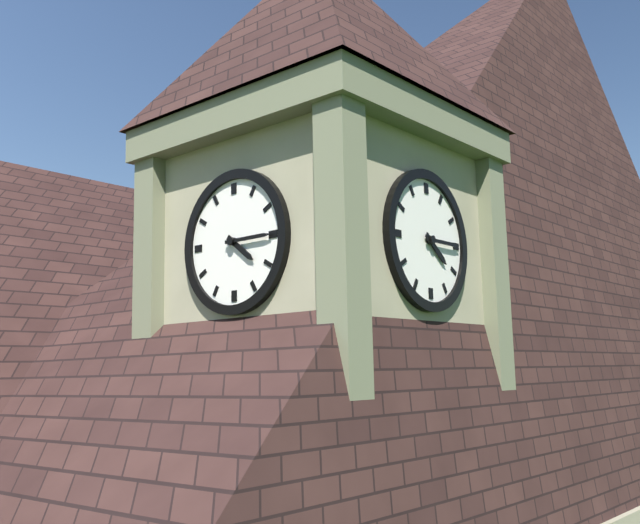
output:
4:15
